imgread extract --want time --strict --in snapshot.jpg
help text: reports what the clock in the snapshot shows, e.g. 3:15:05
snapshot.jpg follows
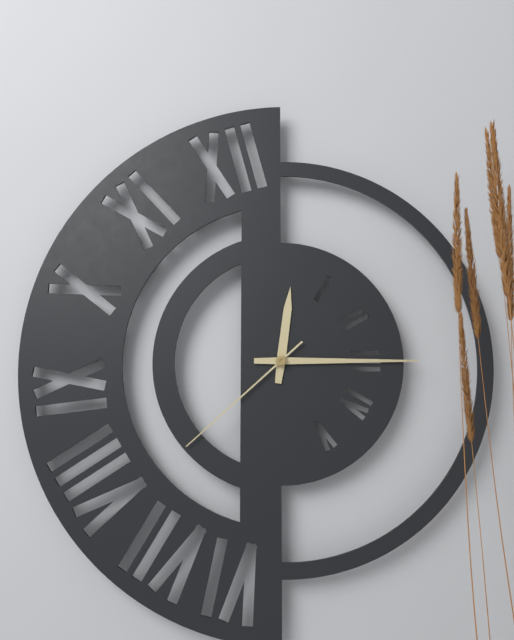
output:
12:15:38
